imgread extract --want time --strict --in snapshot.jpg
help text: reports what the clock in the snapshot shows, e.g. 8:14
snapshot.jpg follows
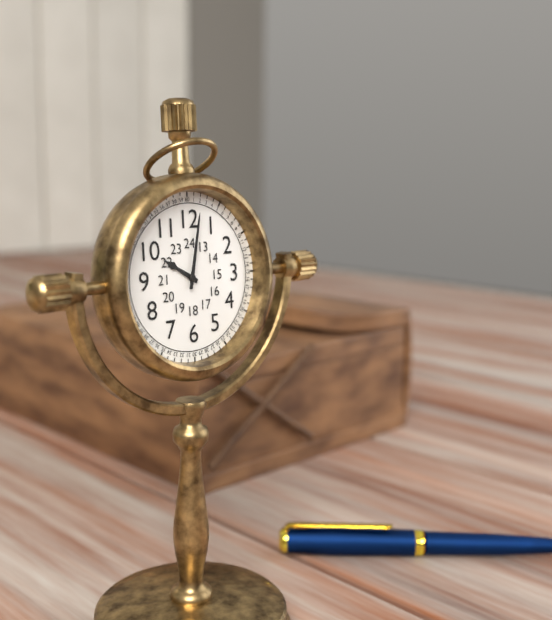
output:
10:02
